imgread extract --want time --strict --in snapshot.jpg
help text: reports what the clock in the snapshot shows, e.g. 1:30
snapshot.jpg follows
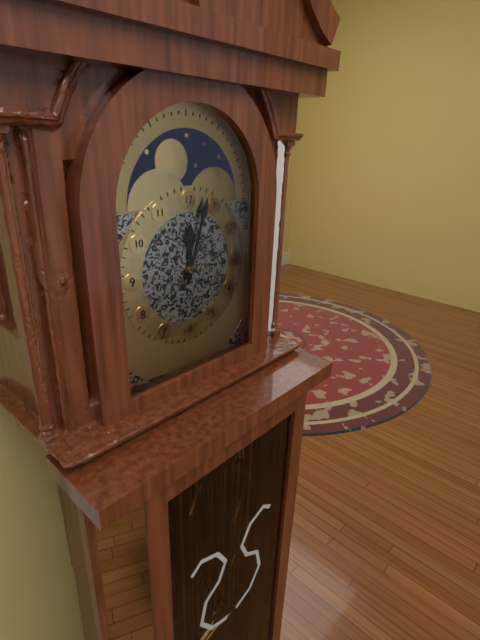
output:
12:03
